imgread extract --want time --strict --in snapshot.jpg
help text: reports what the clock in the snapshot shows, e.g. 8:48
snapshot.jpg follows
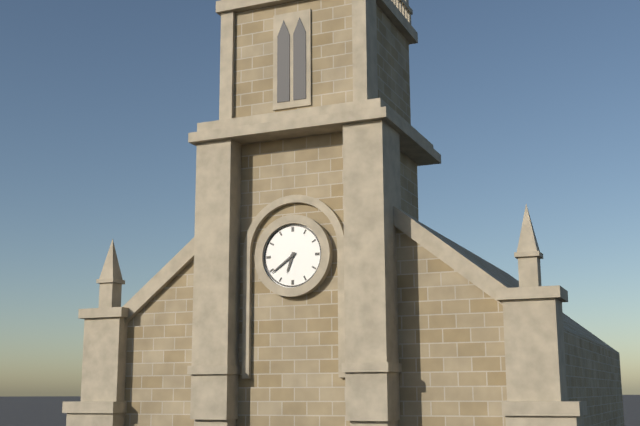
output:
6:39
